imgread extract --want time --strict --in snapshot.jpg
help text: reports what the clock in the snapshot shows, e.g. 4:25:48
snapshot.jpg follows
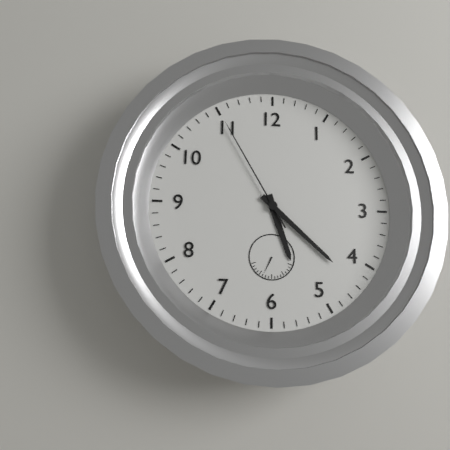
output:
5:22:55
